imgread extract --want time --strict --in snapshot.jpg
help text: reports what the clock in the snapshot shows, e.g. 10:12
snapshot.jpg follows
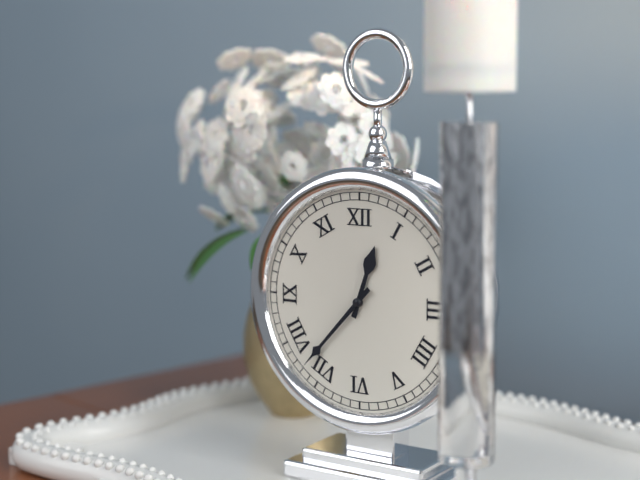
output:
12:37
